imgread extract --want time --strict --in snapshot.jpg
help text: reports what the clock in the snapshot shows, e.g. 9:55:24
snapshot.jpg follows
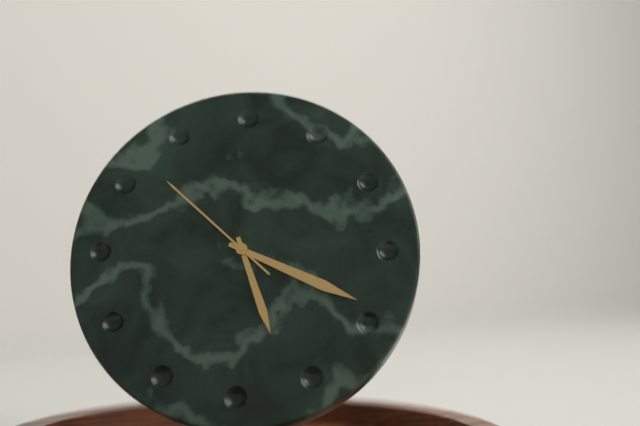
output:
5:19:52
